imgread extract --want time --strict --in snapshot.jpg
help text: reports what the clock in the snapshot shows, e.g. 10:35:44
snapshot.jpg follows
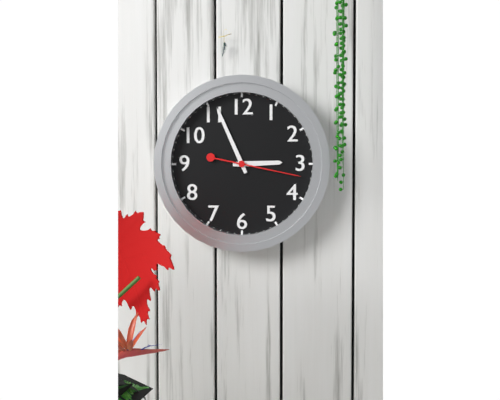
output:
2:56:17
